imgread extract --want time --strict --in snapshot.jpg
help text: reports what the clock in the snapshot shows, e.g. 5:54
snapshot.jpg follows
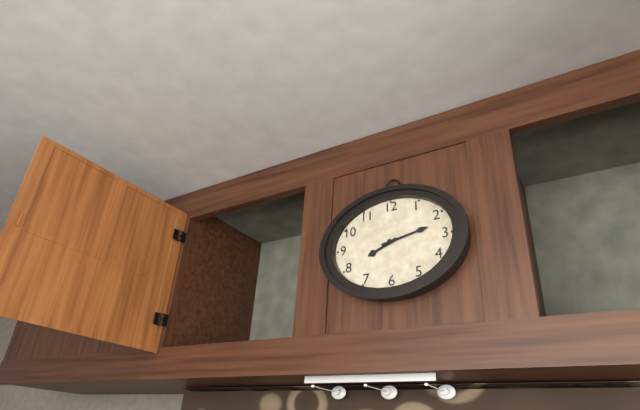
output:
8:13
